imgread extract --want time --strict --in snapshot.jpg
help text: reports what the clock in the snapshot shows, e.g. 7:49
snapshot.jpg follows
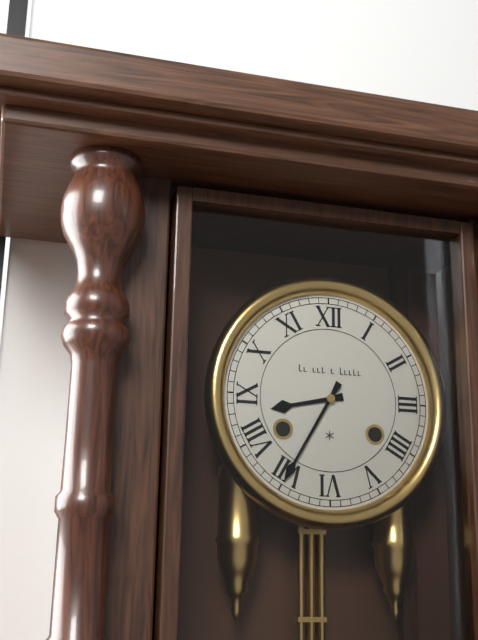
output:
8:35
